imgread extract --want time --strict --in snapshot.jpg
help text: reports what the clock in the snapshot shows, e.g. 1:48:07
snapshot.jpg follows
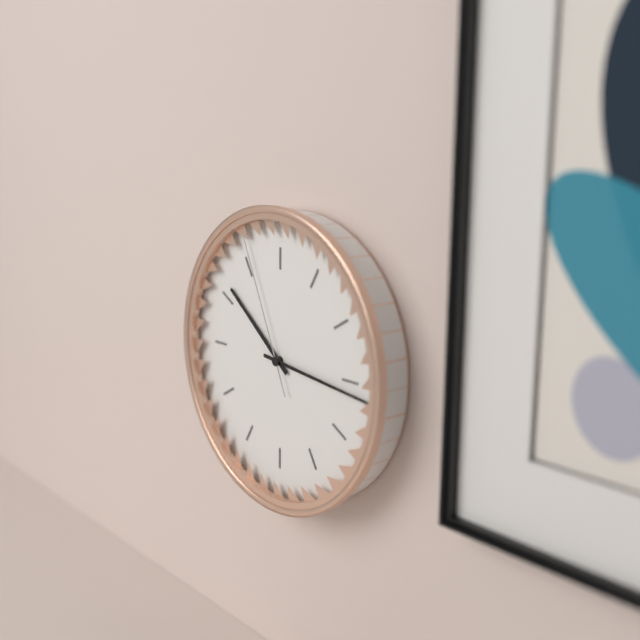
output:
10:16:56
